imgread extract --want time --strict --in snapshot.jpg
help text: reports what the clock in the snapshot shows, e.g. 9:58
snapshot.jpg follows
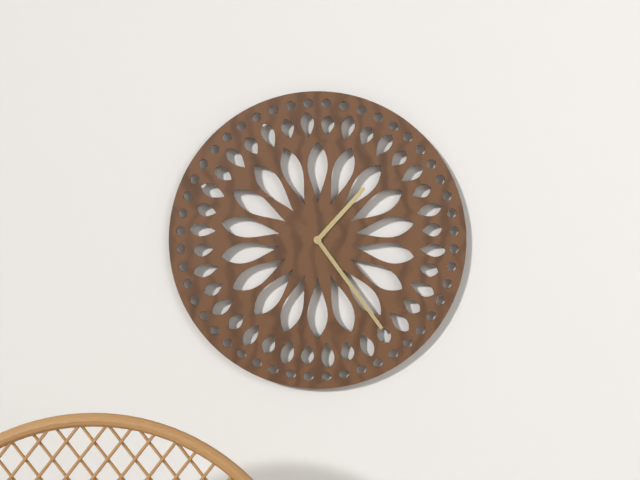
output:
1:24
